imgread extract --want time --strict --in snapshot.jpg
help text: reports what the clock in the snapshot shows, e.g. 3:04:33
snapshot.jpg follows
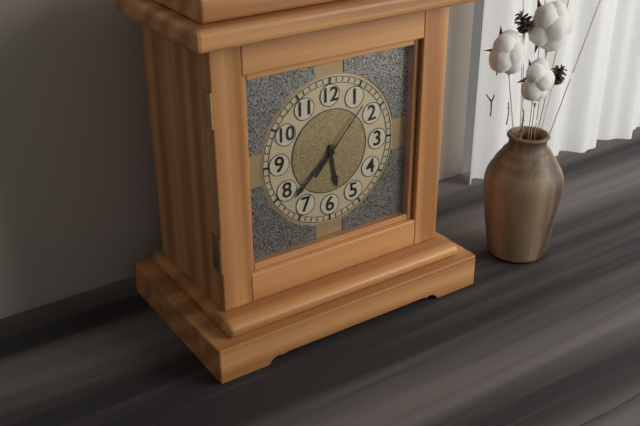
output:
5:38:07
